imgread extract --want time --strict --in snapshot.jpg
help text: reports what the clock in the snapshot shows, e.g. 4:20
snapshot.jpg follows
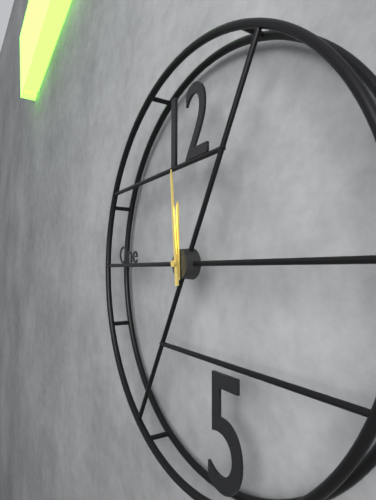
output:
11:59
